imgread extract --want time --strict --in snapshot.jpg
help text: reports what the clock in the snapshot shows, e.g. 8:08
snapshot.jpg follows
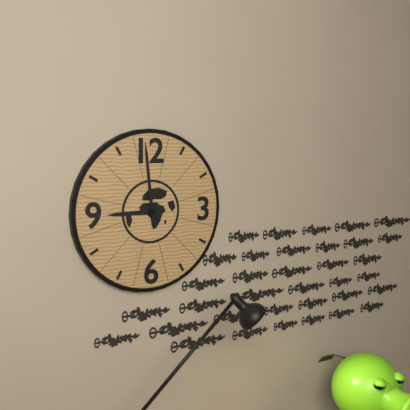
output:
8:59
